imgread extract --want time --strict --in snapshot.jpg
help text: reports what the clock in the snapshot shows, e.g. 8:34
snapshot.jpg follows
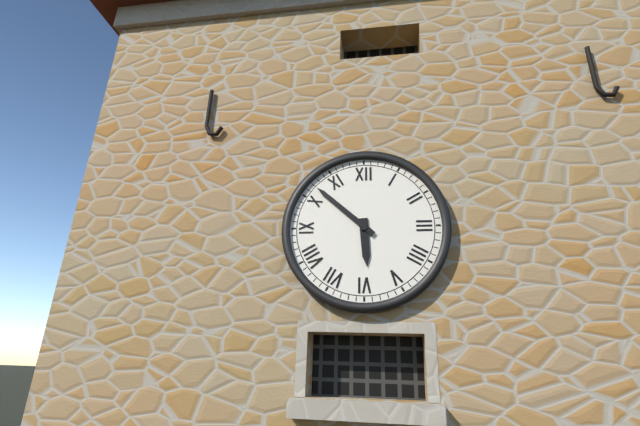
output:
5:52
